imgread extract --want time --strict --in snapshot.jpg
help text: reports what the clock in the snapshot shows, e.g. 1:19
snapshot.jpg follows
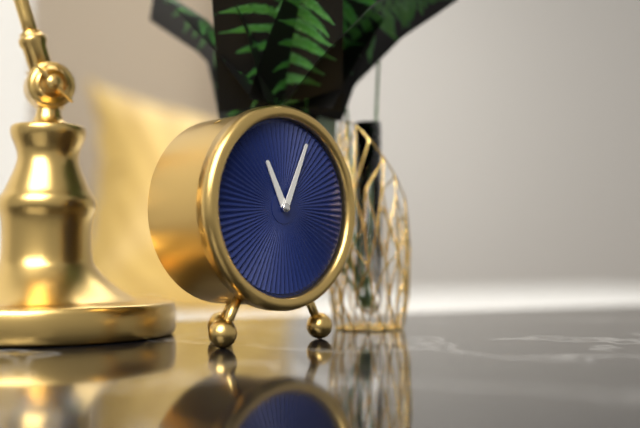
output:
11:04
